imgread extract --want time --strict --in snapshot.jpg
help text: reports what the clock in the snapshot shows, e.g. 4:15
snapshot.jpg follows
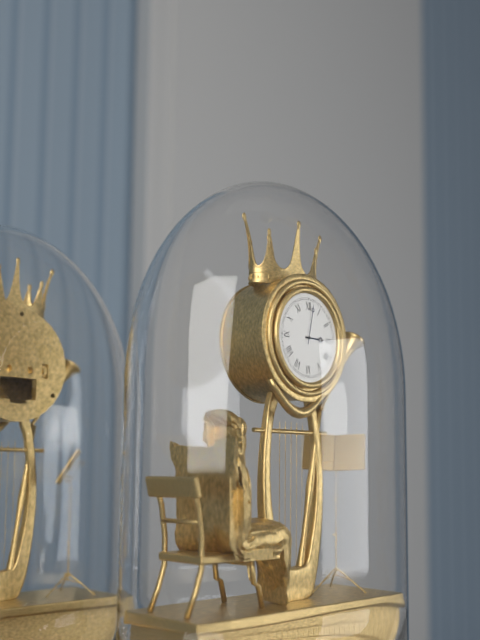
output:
3:02
